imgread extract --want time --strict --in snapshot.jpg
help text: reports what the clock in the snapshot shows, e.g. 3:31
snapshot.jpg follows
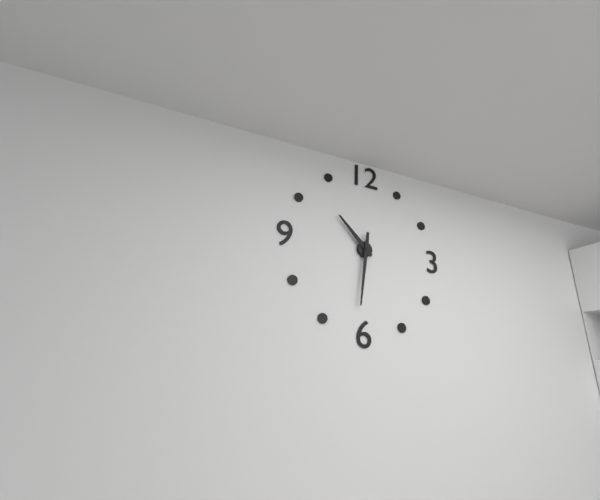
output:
10:31
